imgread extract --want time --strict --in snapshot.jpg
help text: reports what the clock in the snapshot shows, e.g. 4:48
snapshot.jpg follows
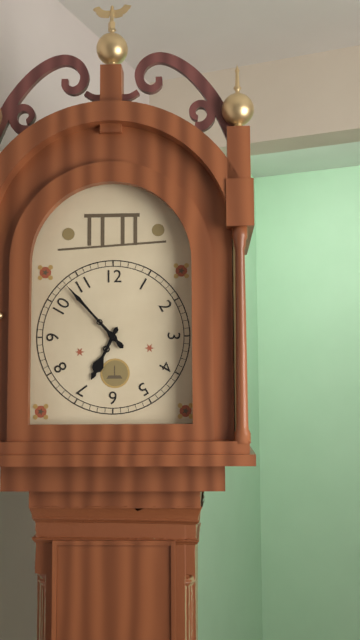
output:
6:53
